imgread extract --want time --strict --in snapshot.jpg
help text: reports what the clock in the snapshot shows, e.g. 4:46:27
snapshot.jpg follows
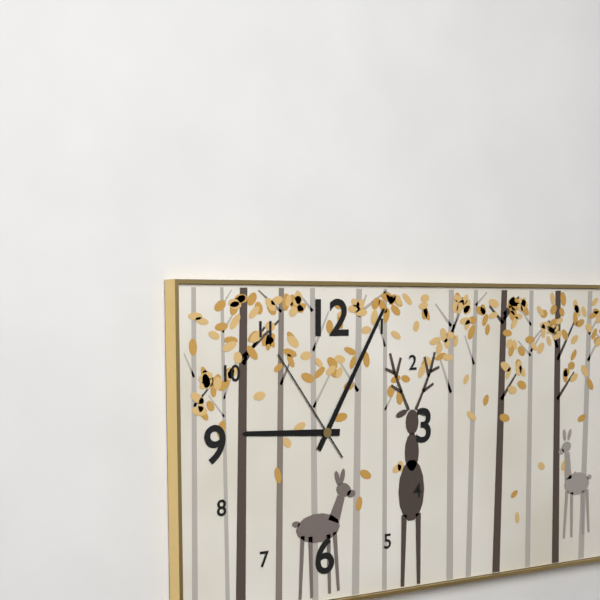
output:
9:05:54
